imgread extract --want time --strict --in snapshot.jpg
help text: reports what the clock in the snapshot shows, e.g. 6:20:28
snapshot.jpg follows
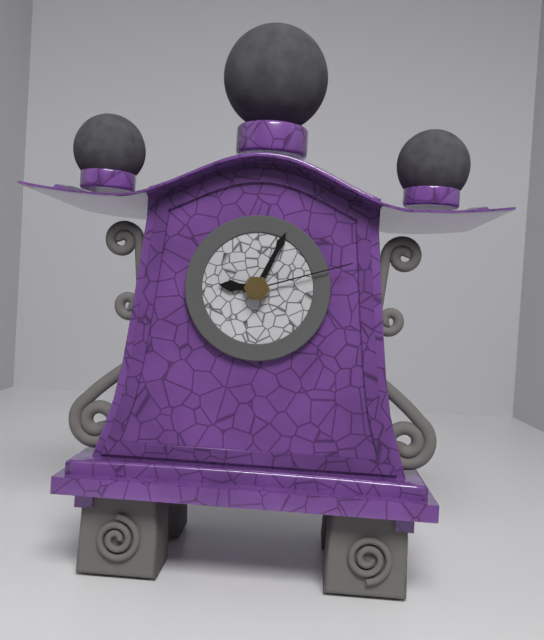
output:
9:04:12
